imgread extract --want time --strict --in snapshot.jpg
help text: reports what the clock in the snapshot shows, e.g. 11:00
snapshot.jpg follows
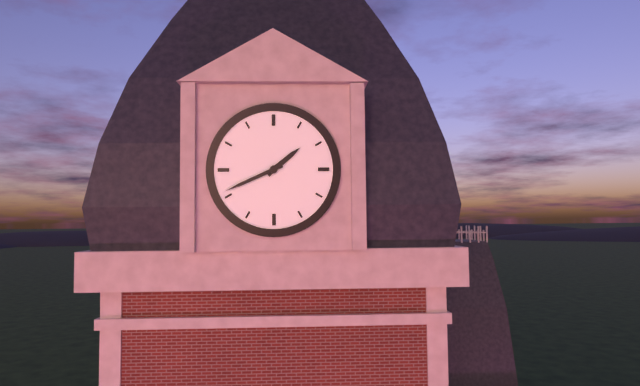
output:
1:41
